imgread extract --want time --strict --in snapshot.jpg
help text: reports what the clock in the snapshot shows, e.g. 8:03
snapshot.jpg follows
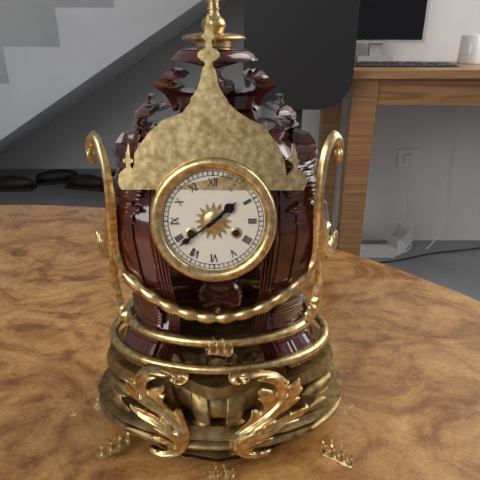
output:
1:39
